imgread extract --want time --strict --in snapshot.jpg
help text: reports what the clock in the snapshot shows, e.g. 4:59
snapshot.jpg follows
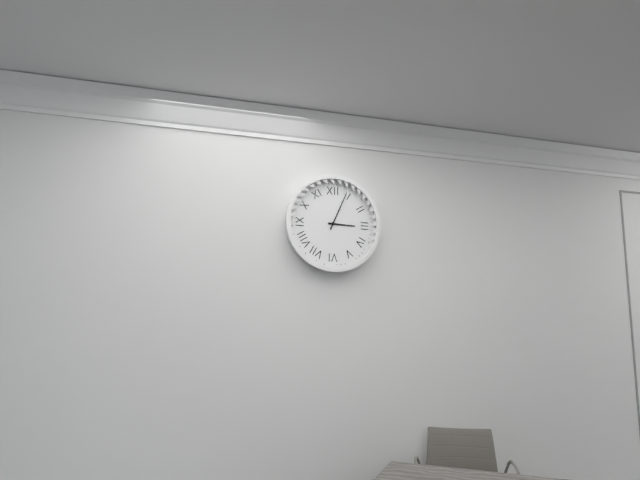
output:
3:04
